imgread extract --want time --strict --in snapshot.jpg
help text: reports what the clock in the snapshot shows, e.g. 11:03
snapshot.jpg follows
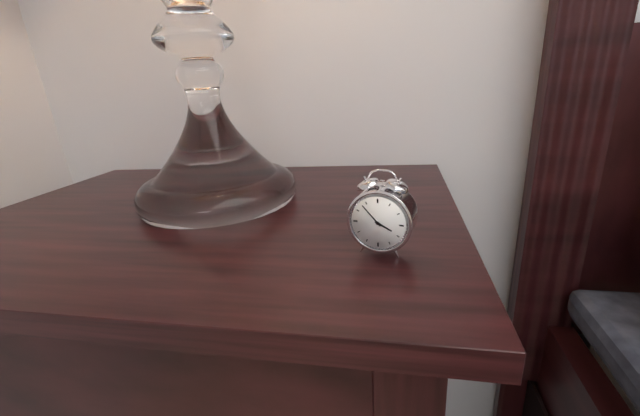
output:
3:53
